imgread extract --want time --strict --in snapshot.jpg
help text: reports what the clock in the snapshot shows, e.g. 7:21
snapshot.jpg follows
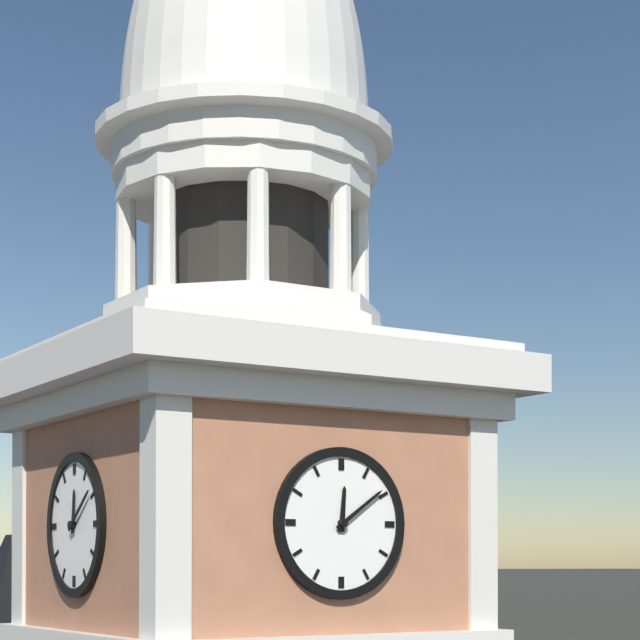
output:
12:09
